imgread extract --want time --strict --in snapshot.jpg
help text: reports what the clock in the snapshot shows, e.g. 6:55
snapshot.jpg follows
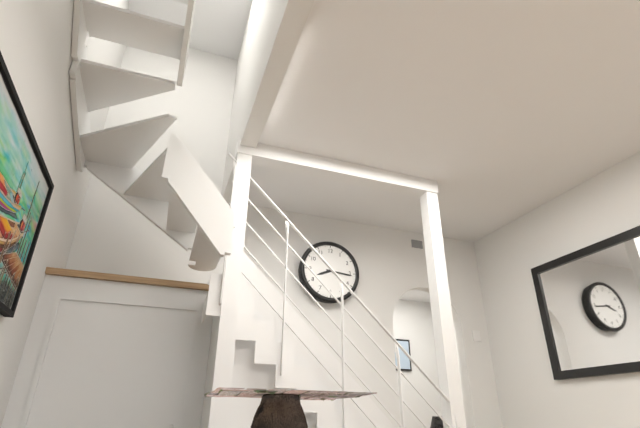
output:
8:16
